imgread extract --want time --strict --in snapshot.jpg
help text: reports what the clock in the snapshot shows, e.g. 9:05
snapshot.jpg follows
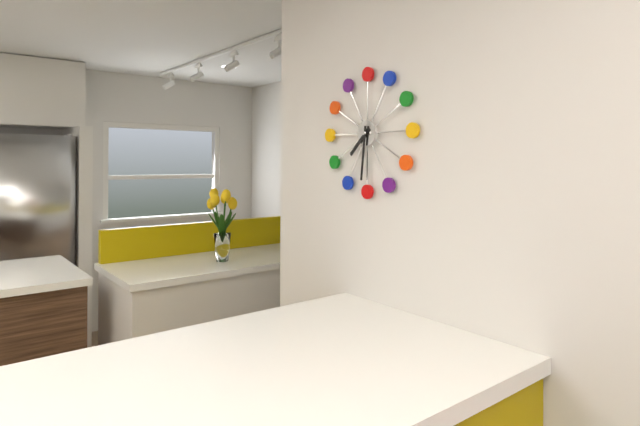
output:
7:31
